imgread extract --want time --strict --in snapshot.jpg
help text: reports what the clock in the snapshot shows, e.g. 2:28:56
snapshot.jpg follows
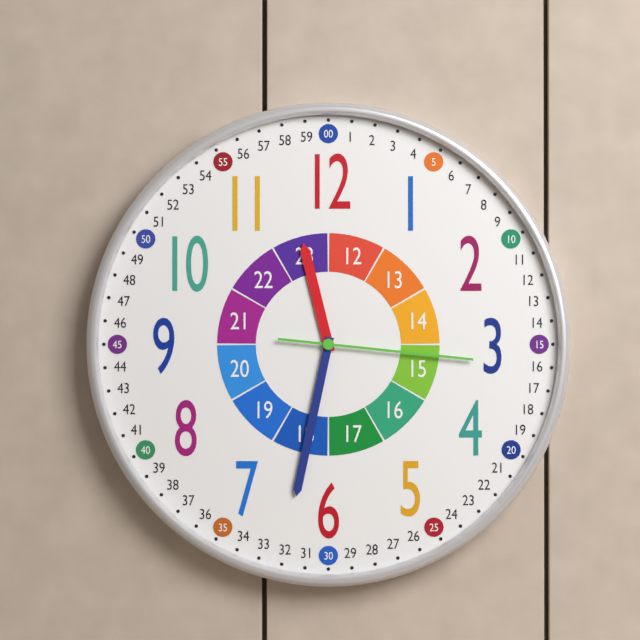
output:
11:32:16
